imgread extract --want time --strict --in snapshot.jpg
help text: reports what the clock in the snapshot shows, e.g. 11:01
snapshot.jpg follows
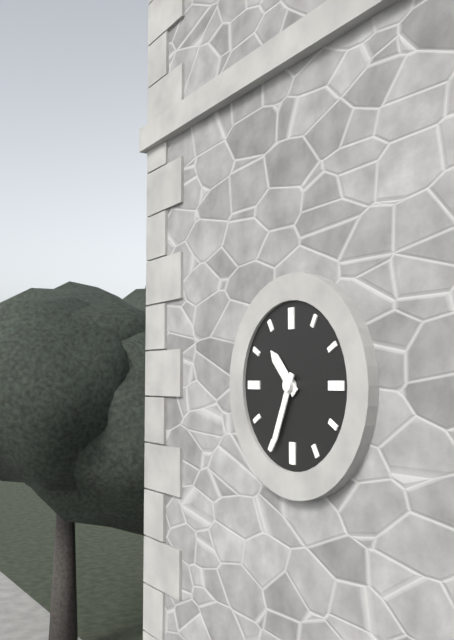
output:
10:34
